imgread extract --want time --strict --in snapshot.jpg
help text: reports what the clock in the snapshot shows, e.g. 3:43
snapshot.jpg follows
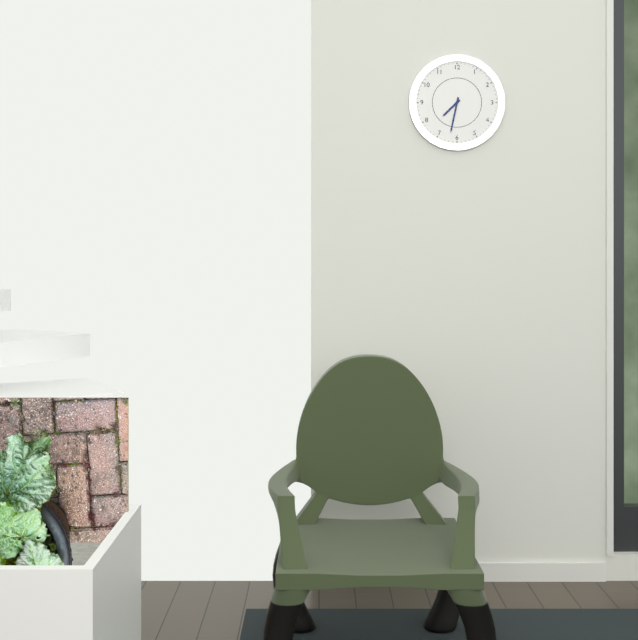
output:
7:32
